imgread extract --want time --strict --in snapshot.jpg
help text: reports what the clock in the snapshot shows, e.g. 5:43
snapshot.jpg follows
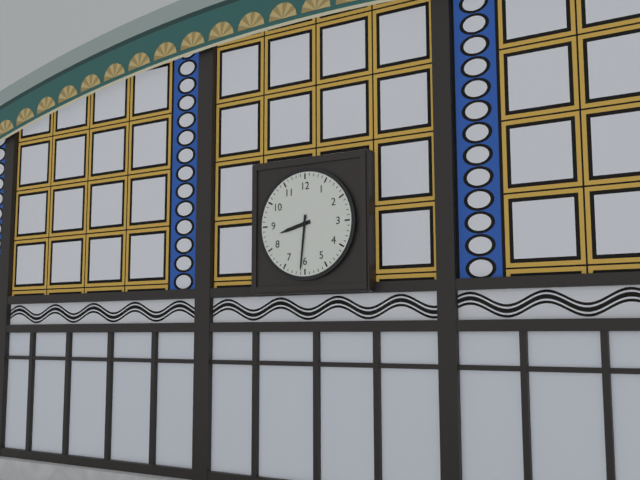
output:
8:31
